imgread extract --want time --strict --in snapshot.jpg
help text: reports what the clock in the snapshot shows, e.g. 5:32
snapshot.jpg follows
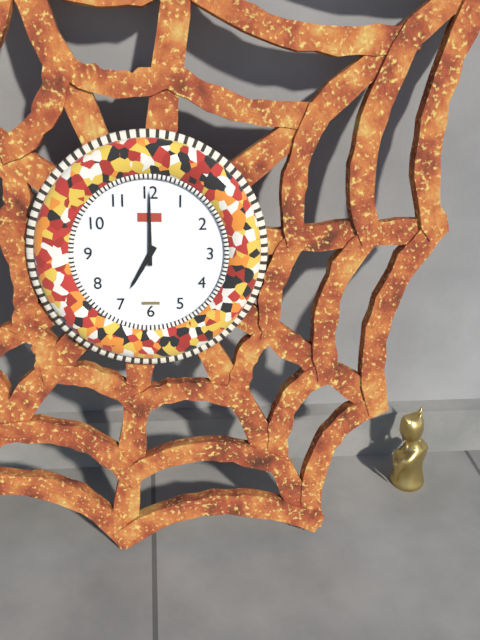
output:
7:00
